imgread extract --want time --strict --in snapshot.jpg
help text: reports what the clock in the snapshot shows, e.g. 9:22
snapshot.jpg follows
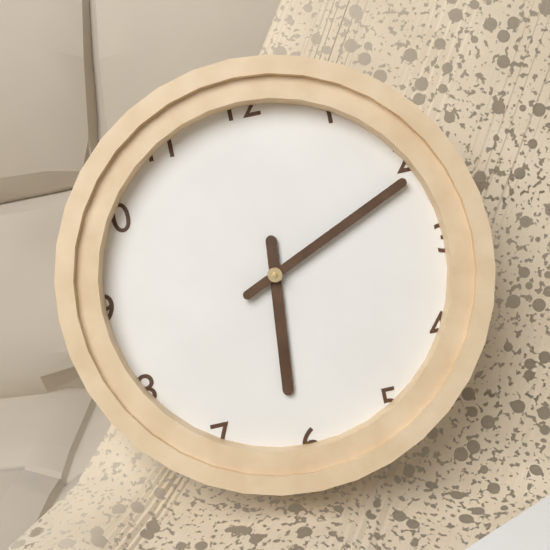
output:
6:11
